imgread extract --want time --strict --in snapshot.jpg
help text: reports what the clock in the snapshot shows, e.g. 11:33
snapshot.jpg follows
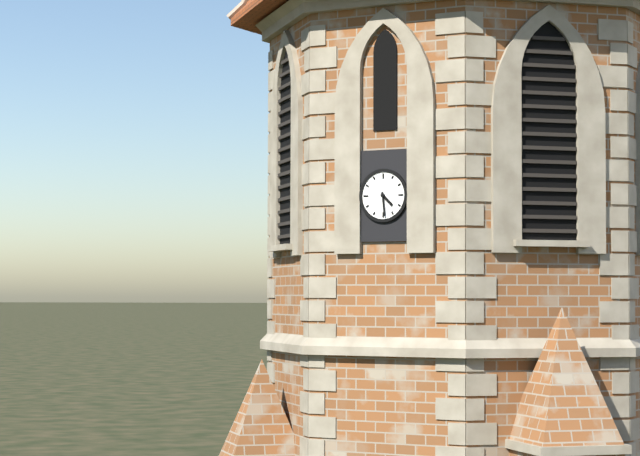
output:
4:29
